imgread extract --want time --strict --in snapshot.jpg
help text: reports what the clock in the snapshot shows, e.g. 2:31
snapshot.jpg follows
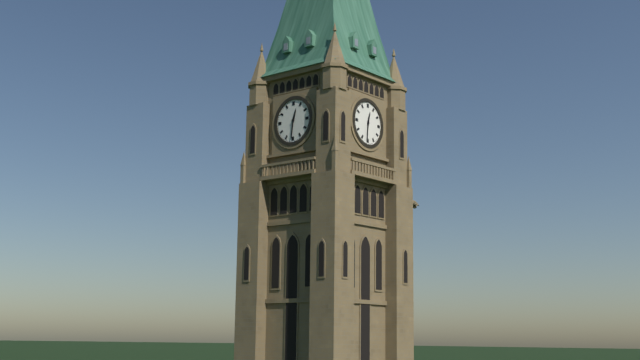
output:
12:31
